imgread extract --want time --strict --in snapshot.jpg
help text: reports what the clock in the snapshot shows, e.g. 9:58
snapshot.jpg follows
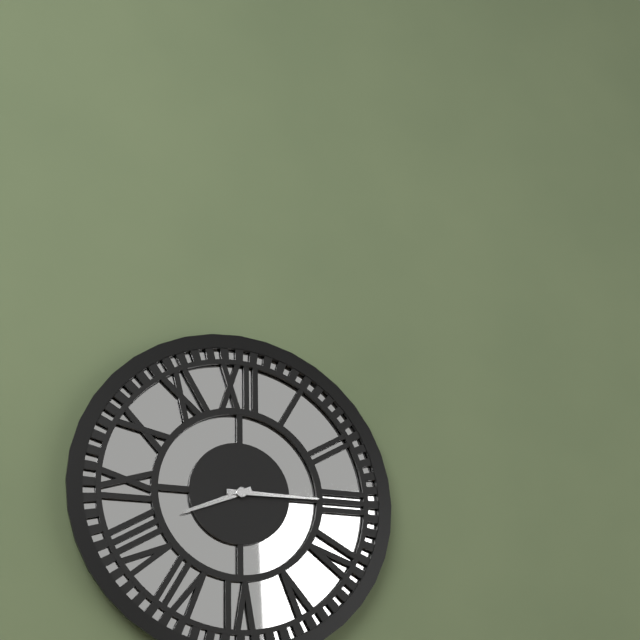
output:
8:15
